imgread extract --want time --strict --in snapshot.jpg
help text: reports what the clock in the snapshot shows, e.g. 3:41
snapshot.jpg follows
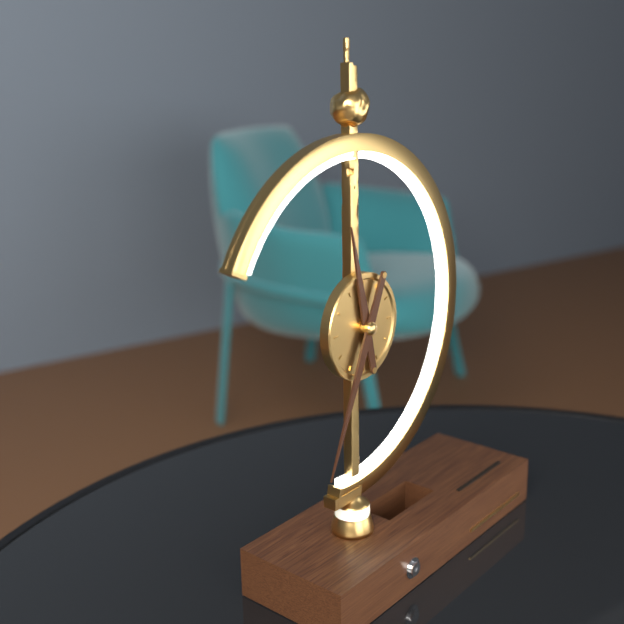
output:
11:34
